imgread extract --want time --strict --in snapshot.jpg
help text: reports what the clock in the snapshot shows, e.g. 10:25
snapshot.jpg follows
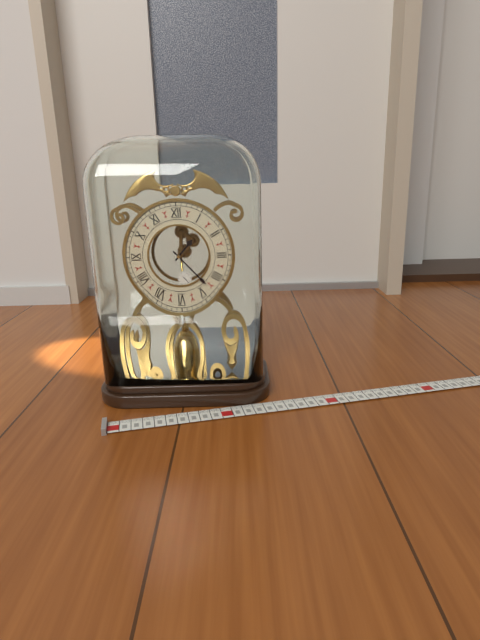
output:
1:23
